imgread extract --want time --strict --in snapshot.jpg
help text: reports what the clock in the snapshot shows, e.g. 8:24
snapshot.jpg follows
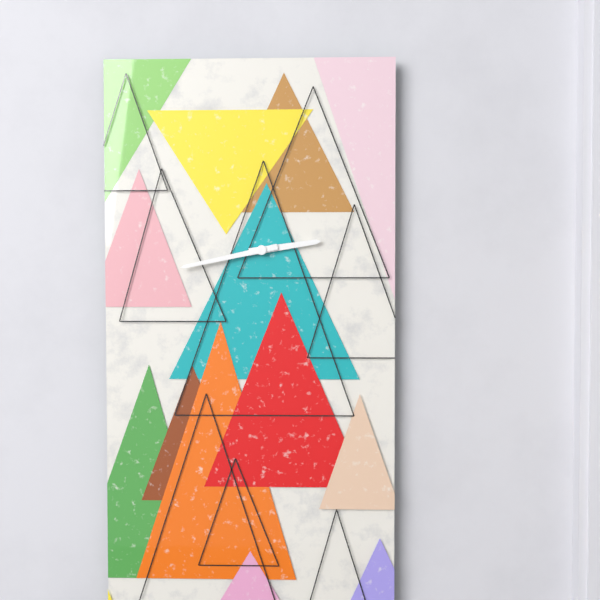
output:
2:43
